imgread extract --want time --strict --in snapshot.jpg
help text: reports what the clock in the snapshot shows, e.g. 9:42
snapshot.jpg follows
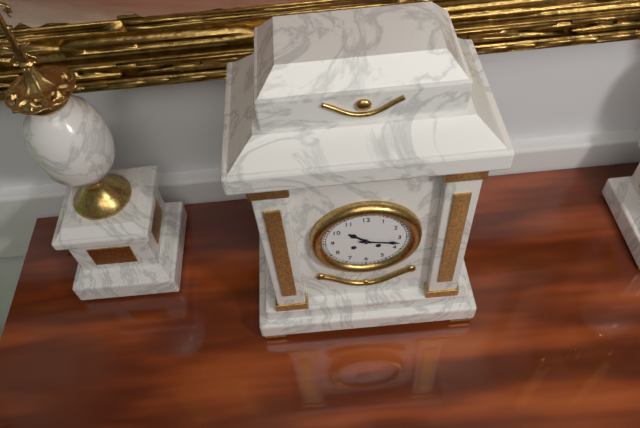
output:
10:17
